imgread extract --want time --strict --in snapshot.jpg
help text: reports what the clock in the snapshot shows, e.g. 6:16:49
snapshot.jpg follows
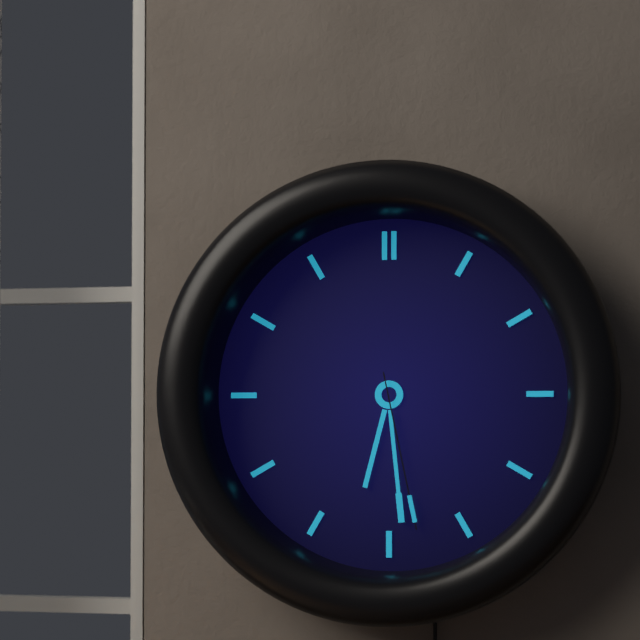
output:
6:29:28
